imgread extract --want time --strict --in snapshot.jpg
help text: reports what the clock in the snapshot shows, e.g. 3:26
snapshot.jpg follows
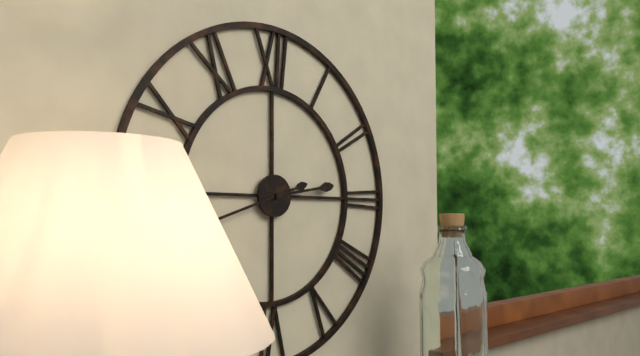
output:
2:42
